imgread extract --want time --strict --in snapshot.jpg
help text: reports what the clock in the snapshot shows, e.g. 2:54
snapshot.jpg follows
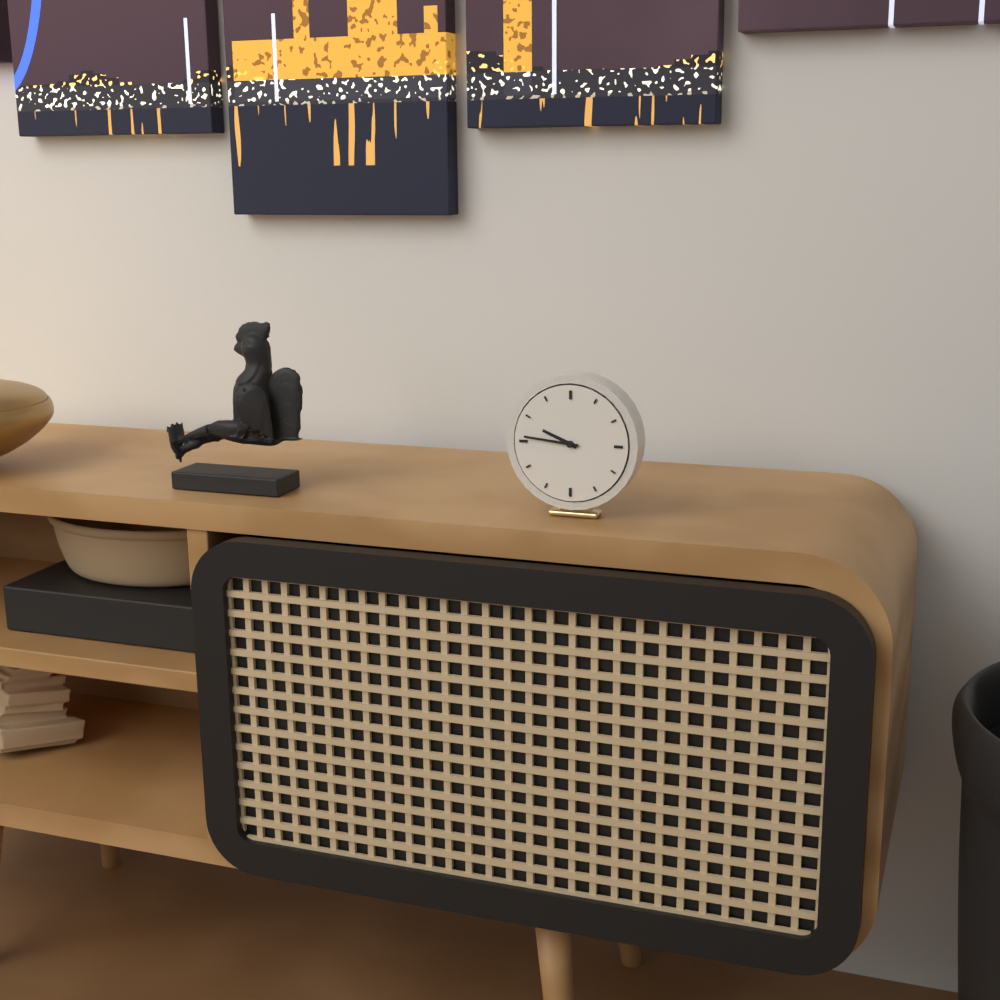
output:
9:46
